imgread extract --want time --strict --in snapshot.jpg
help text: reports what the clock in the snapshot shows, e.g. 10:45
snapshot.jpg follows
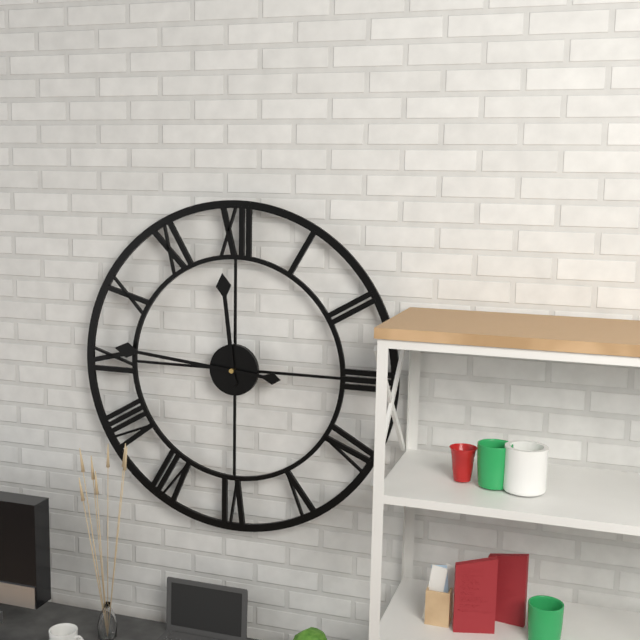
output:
11:46
